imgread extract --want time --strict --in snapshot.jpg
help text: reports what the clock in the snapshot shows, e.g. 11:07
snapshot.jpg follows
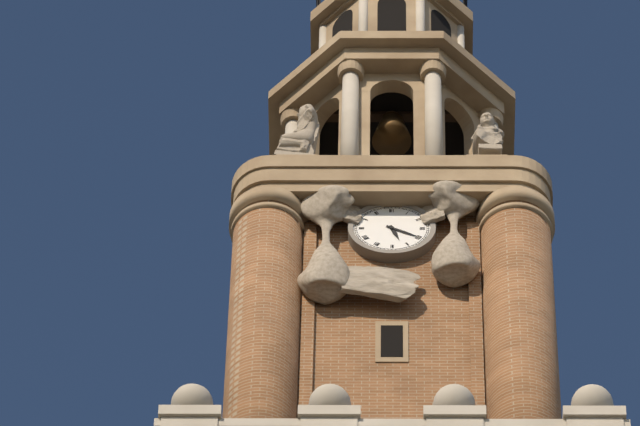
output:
5:20
